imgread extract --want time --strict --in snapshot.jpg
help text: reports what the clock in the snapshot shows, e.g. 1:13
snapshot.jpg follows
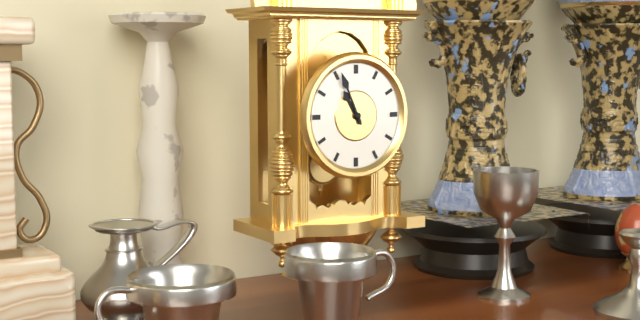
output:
10:56
